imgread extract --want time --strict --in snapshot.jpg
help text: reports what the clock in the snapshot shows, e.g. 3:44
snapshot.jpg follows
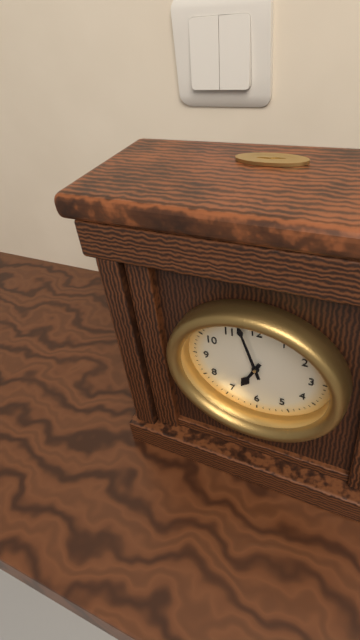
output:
6:57
